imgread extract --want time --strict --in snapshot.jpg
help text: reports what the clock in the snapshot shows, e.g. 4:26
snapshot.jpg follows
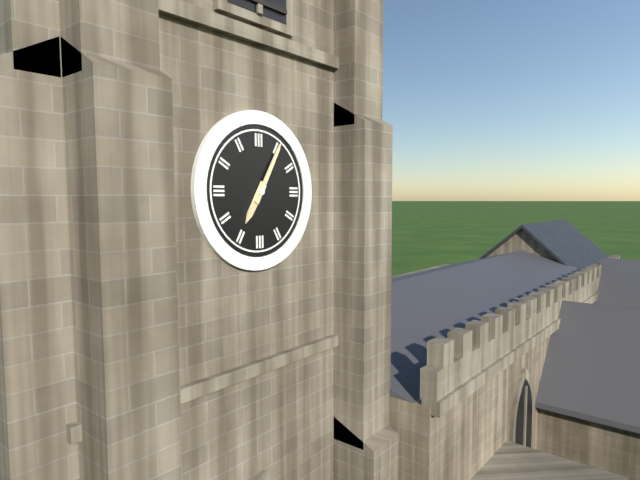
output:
7:05
